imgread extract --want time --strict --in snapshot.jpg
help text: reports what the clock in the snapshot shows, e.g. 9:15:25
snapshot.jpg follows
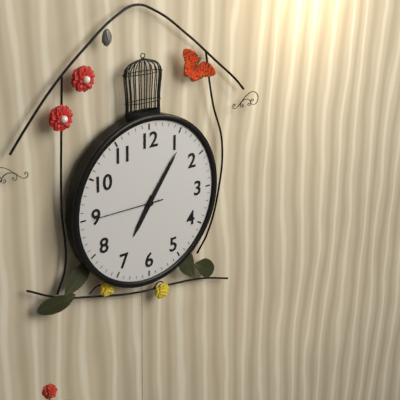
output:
7:06:45
